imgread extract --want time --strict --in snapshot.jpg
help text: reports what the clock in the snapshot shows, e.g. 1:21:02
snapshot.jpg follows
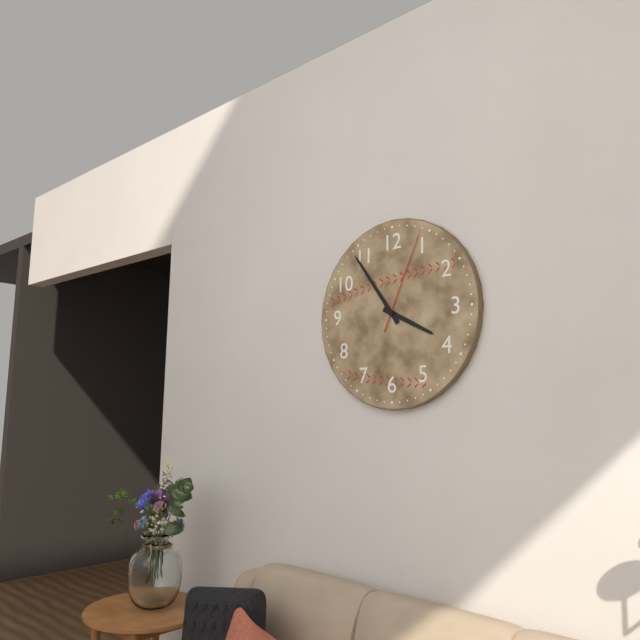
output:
3:54:04
